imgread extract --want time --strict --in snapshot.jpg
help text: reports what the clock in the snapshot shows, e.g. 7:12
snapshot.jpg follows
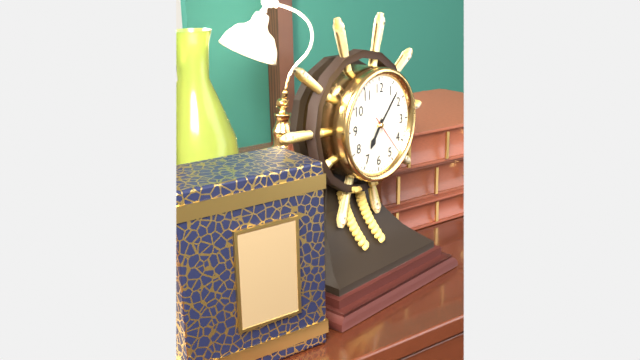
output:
7:07
